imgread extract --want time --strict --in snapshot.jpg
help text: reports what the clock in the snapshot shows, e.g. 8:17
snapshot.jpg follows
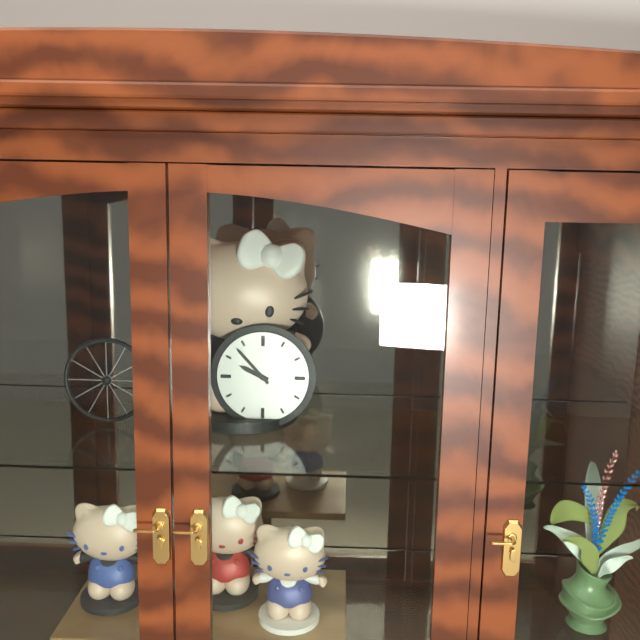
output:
9:53
